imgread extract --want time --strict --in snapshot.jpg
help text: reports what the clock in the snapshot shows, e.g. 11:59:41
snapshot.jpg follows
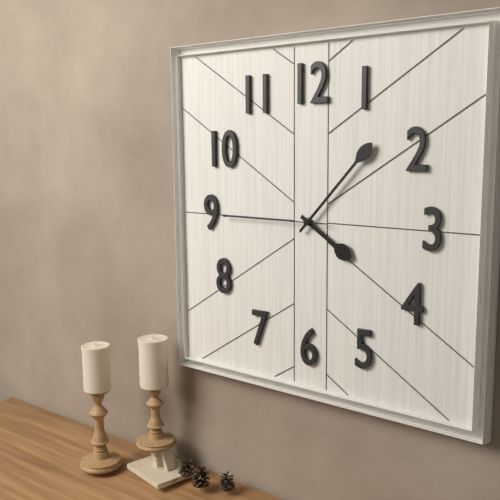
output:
4:07:45
